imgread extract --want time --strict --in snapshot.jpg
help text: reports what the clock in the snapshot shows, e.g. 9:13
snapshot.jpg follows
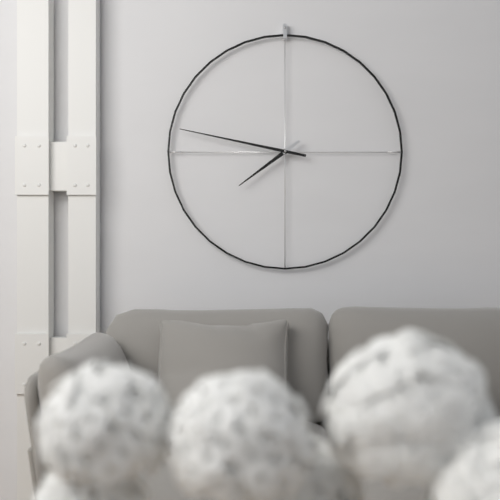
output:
7:47
